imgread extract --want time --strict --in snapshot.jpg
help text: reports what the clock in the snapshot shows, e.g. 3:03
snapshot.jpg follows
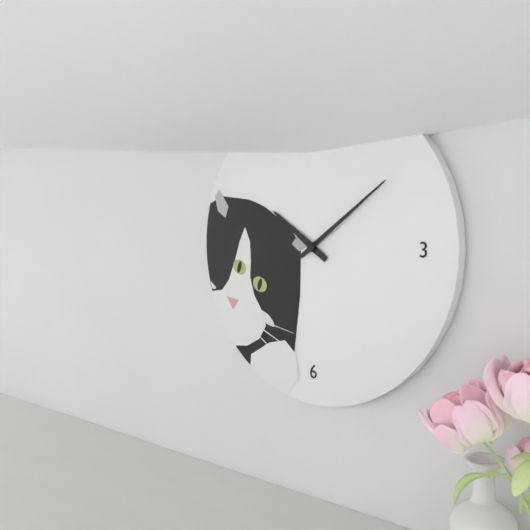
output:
10:09
